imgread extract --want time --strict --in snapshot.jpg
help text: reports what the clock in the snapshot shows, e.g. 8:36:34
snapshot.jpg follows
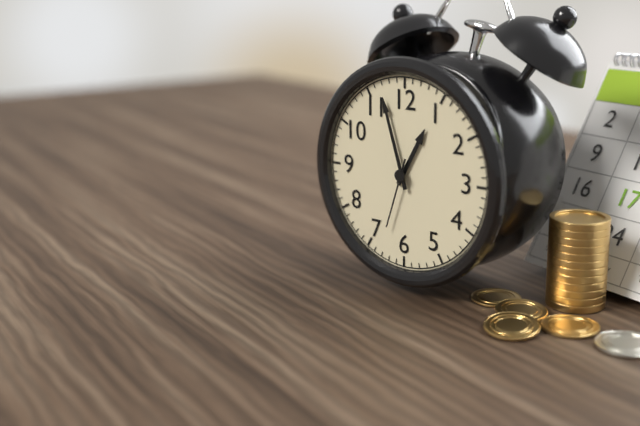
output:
12:57:33
